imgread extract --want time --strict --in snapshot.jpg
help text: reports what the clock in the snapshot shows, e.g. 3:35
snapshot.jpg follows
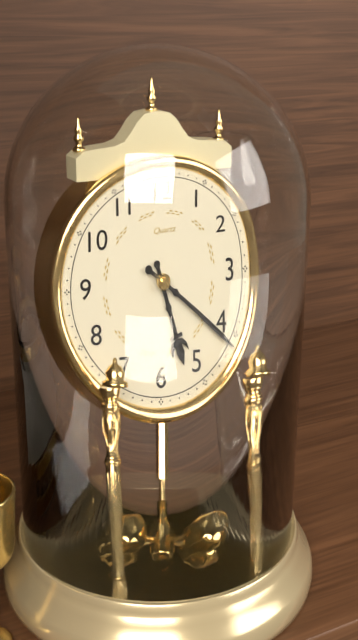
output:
5:21
